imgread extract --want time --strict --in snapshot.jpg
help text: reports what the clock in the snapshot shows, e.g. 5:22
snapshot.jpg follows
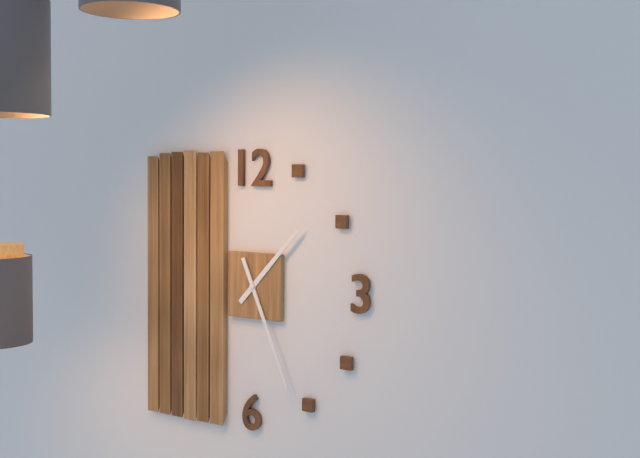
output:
1:26
